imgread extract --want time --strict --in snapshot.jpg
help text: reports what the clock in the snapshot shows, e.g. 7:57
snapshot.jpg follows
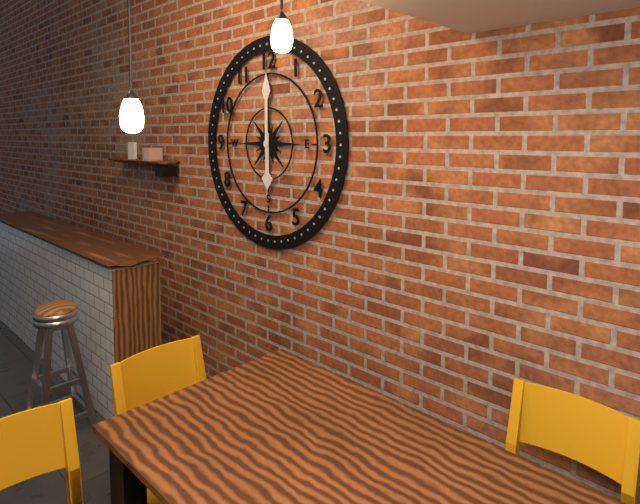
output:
6:00
